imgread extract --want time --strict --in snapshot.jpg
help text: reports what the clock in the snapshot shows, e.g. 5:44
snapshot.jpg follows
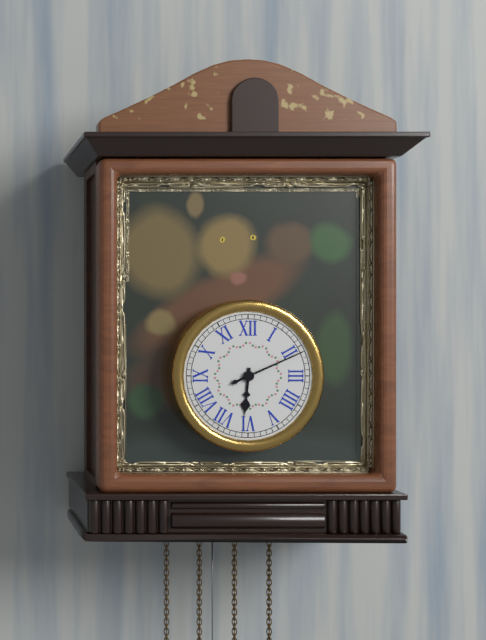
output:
6:11
